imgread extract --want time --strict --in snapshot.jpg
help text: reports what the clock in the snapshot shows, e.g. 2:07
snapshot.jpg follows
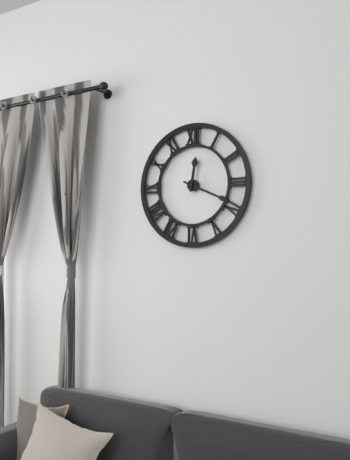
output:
12:19
